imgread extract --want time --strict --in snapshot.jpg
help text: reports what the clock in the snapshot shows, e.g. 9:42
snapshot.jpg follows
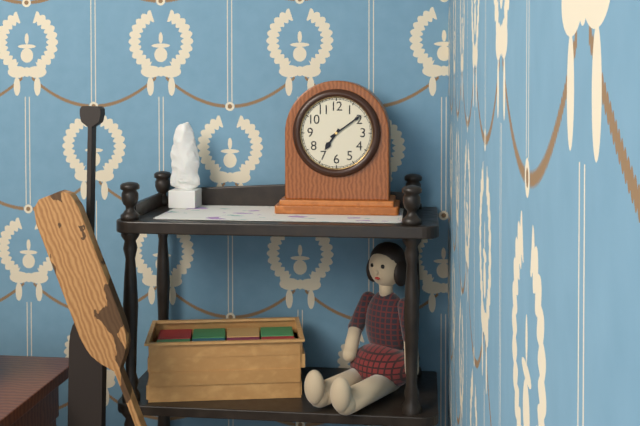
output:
7:09
